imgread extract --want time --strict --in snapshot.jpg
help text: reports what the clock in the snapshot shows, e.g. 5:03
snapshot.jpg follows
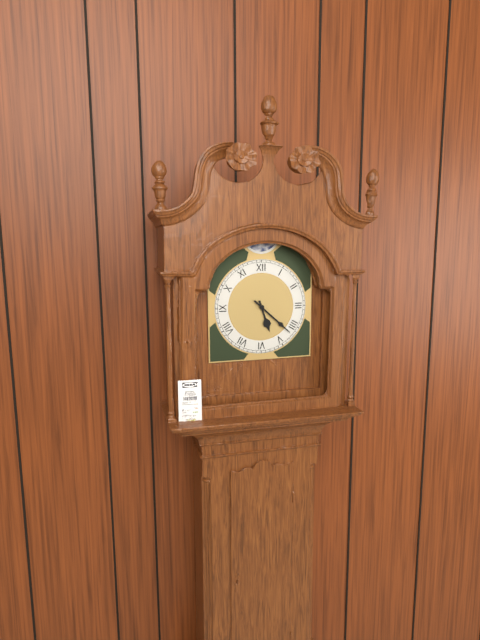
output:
5:22
